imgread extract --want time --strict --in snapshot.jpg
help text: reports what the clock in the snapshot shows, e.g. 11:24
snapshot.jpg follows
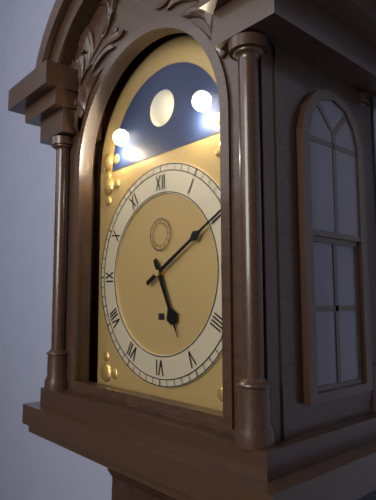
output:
5:10
